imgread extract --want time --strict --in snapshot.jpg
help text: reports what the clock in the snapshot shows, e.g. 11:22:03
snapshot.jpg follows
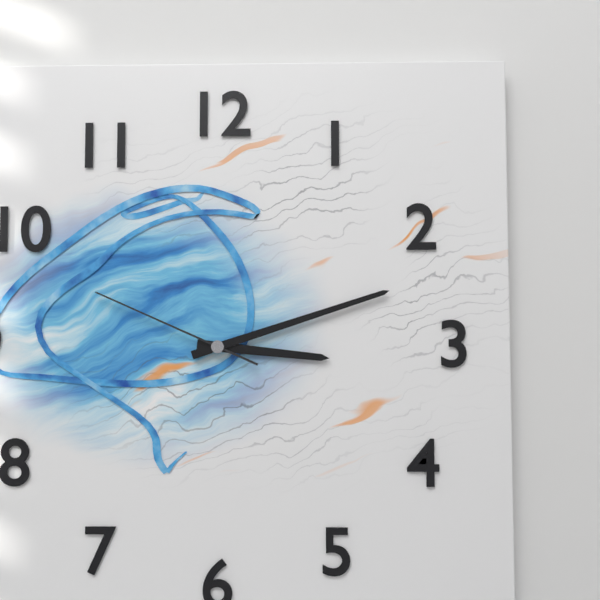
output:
3:12:49
